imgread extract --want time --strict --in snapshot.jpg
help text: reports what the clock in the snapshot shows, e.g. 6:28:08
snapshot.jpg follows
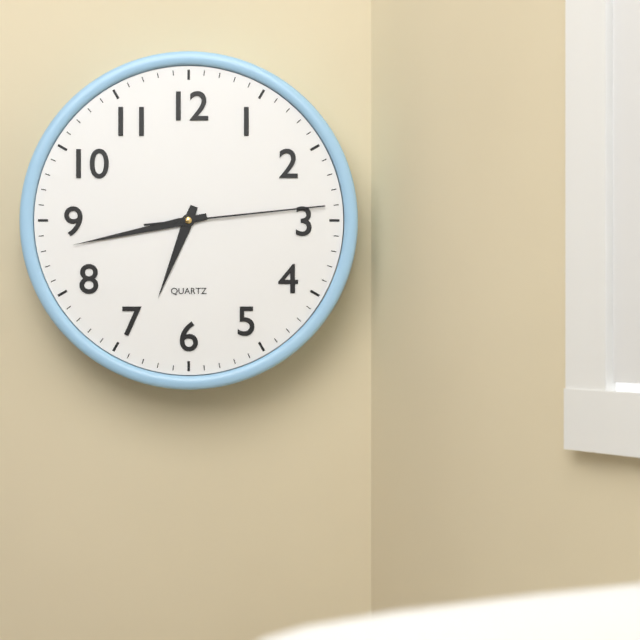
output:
6:43:14
